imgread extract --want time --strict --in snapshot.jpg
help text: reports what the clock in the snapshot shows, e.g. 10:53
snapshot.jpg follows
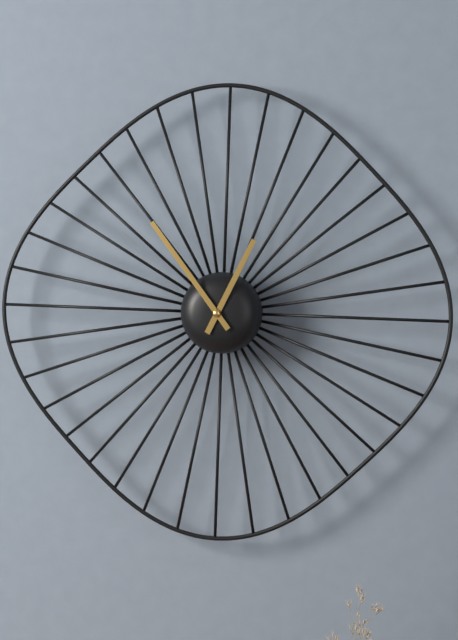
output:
12:54
